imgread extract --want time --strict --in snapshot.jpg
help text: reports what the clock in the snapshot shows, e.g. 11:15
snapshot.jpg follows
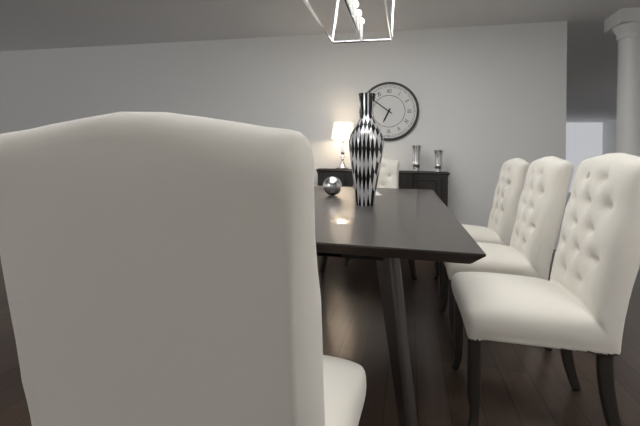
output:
6:51
